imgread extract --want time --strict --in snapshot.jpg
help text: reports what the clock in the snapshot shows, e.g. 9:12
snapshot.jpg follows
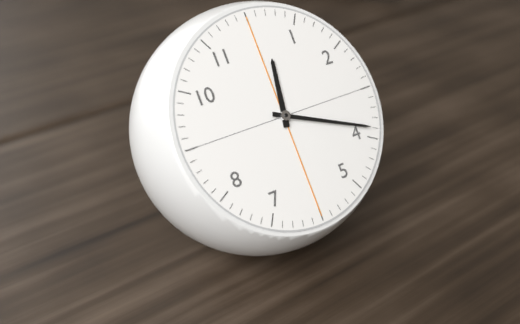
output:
12:19
